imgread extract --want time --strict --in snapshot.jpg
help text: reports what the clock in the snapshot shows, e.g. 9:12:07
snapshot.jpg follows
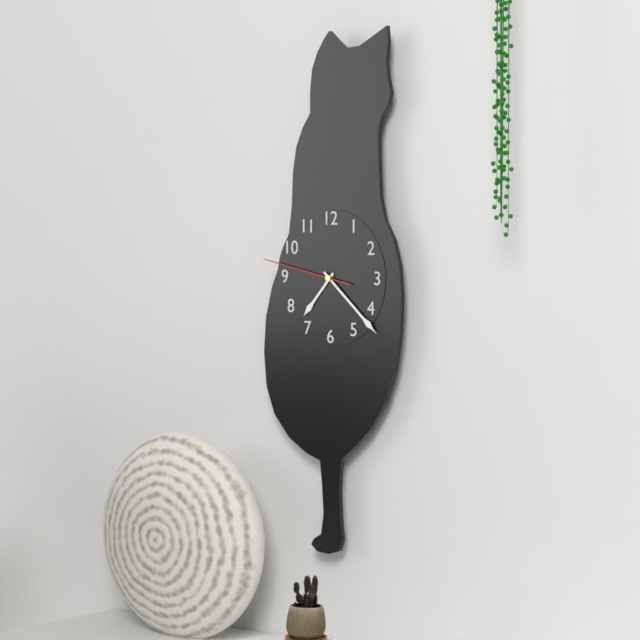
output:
7:22:47
